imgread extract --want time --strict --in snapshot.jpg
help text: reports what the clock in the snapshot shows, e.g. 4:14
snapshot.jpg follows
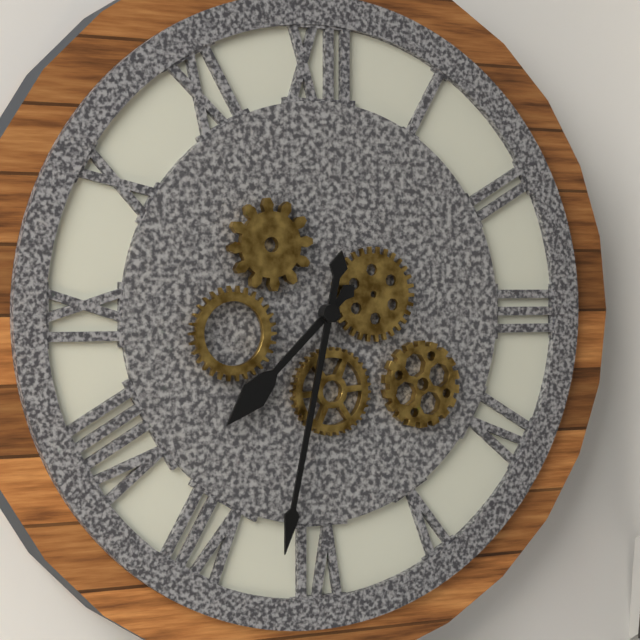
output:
7:32
